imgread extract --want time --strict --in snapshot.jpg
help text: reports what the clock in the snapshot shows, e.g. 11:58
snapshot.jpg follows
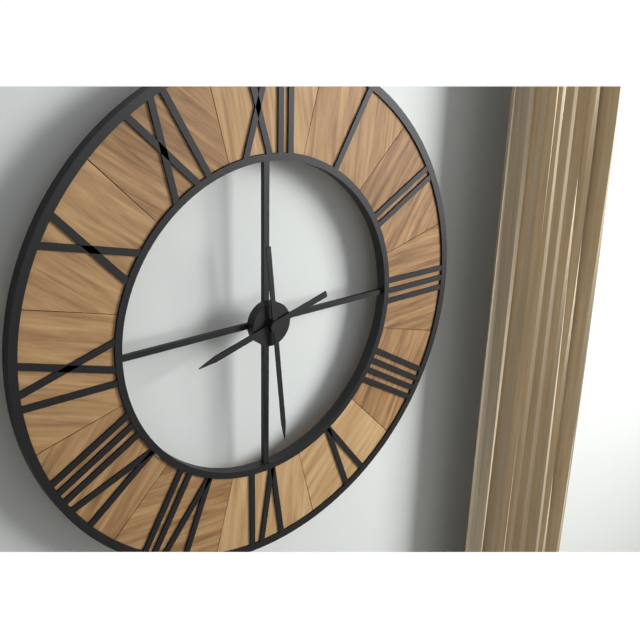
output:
8:29
